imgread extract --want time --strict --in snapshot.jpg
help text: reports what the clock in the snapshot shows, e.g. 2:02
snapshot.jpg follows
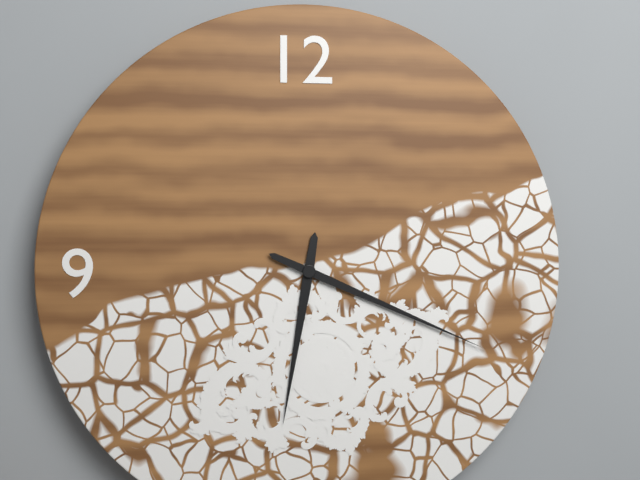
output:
6:19
